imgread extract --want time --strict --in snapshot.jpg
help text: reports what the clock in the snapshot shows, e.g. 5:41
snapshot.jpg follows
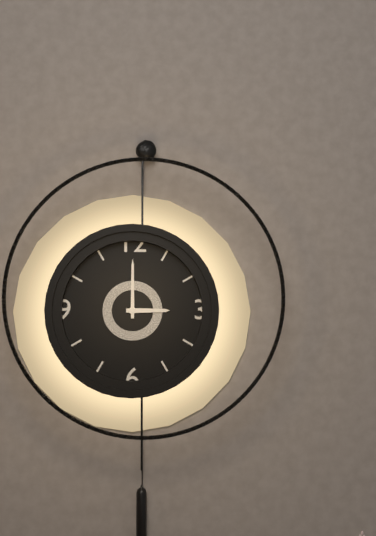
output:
3:00
